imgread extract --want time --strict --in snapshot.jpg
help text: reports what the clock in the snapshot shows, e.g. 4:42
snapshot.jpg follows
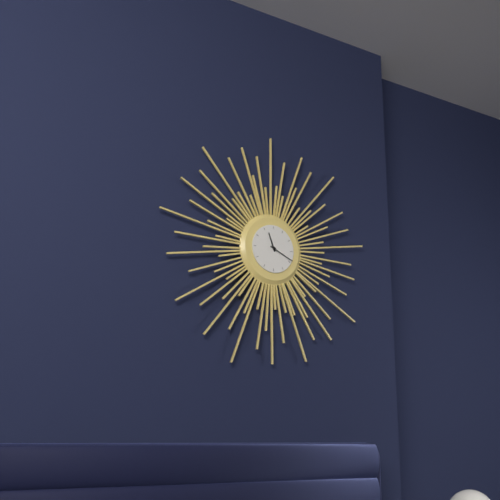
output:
11:19
